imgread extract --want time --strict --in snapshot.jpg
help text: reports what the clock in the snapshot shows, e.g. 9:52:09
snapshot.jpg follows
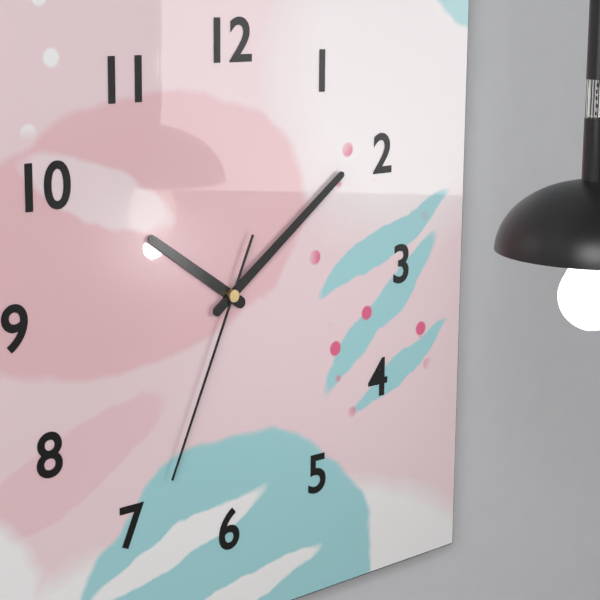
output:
10:09:34
